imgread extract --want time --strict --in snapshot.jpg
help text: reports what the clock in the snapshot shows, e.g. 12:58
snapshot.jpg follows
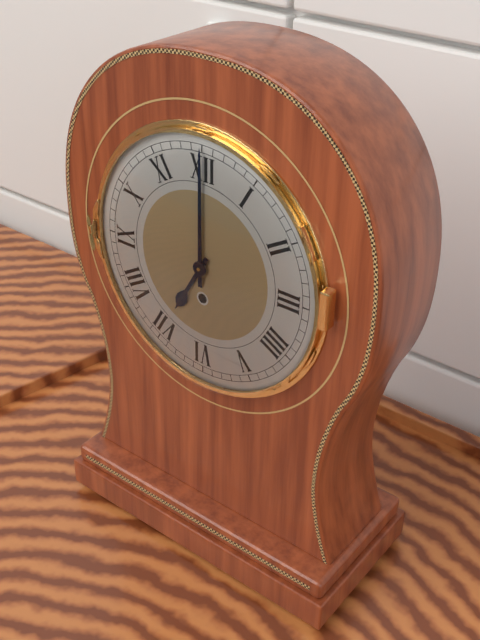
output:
7:00
